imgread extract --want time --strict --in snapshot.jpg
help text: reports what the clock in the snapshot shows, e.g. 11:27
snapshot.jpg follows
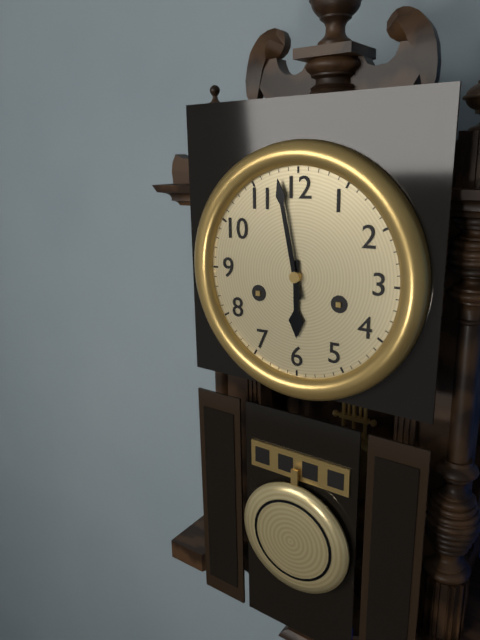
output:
5:58
